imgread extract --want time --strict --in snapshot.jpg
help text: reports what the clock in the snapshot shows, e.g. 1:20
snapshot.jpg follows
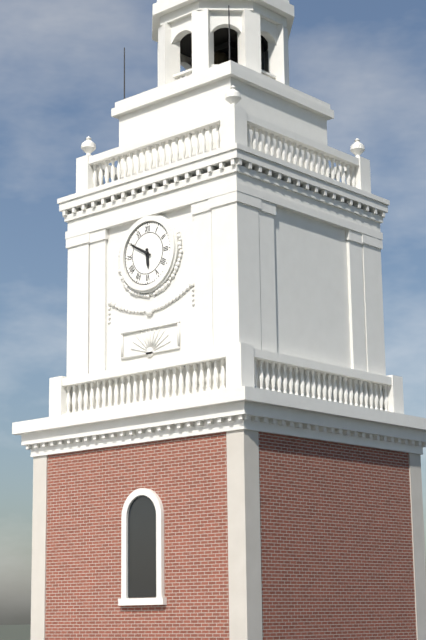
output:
5:50
